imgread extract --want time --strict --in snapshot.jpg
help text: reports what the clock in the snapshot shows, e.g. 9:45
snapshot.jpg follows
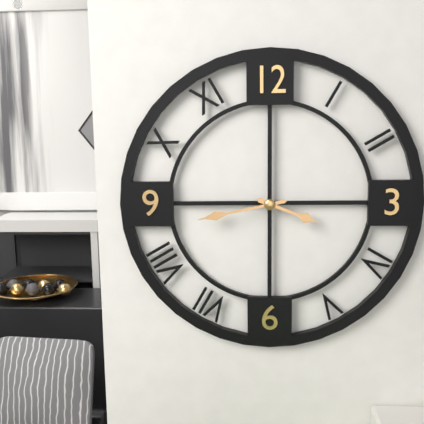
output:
3:43
